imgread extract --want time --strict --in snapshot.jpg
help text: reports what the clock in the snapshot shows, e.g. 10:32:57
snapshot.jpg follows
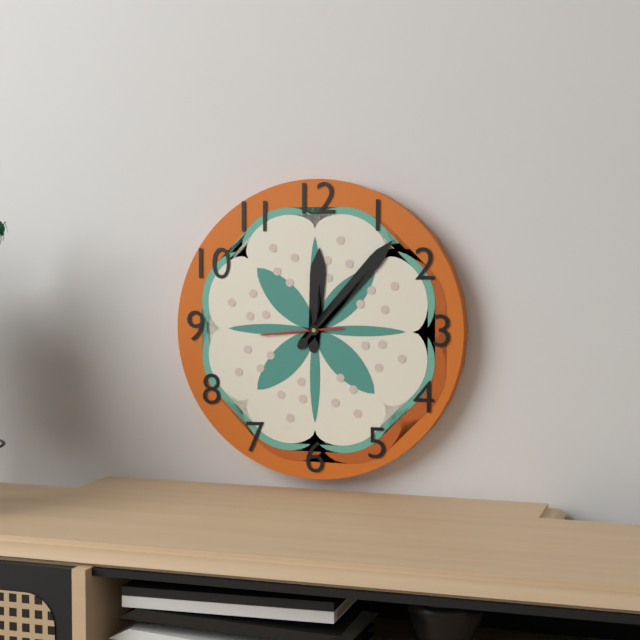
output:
12:07:44
